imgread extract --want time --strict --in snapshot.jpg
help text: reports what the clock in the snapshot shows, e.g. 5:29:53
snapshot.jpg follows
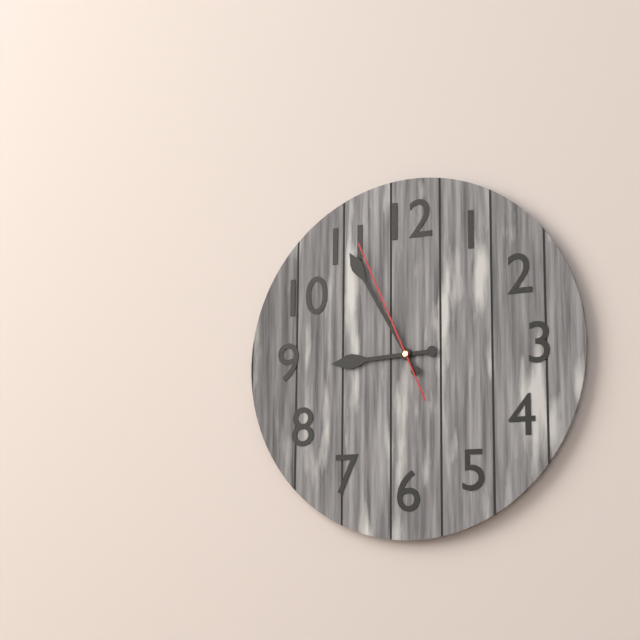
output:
8:55:56
